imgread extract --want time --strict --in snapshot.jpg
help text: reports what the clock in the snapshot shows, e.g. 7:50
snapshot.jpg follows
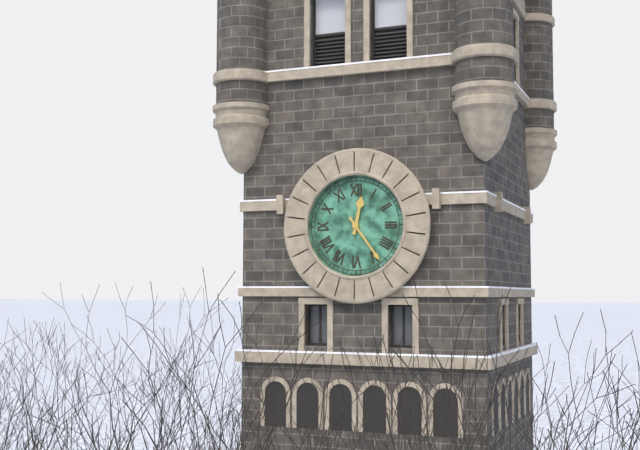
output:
12:24
